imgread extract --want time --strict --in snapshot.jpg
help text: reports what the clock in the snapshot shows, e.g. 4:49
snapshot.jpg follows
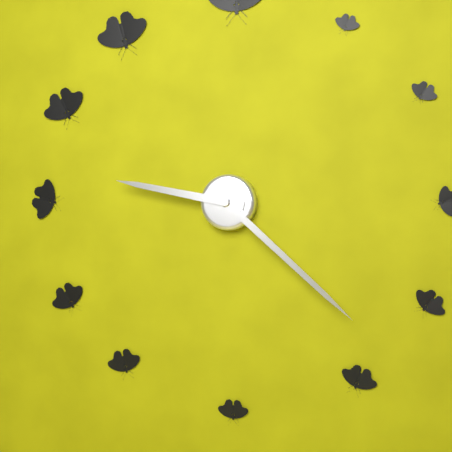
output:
9:22
